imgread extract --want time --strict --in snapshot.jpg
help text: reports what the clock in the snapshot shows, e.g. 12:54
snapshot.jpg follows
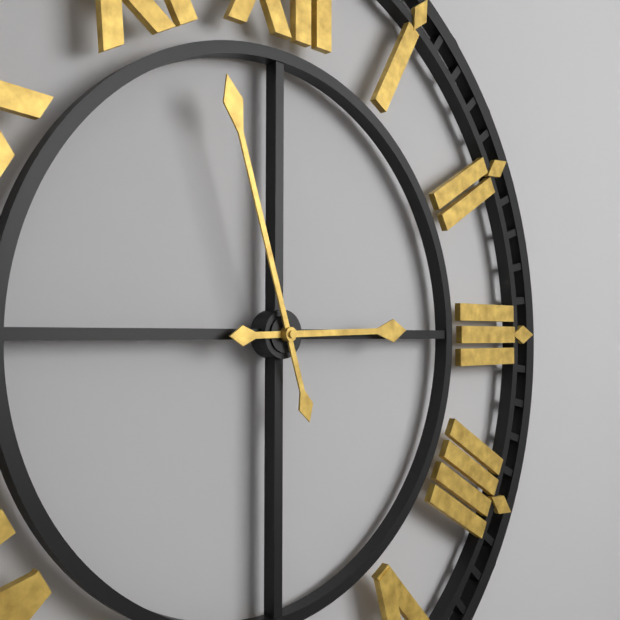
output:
2:57
